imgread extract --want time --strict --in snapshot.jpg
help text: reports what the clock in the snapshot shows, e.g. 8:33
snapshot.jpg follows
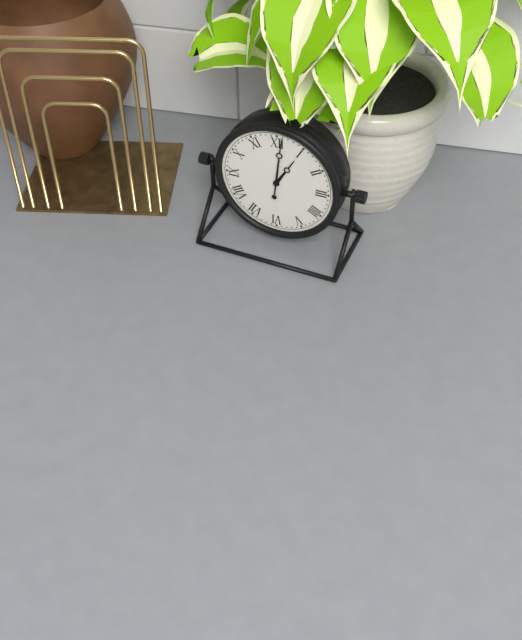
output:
1:01
